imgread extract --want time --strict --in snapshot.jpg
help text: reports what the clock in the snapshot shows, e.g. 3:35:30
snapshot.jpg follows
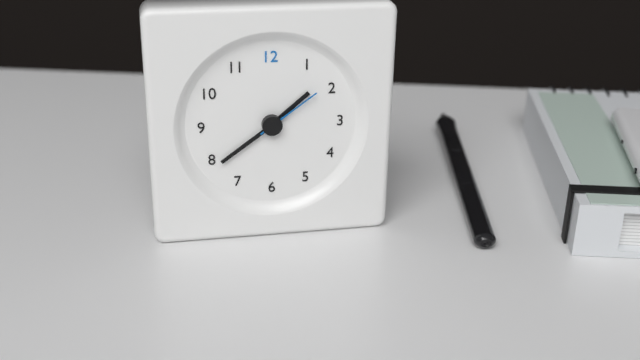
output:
1:39:09
